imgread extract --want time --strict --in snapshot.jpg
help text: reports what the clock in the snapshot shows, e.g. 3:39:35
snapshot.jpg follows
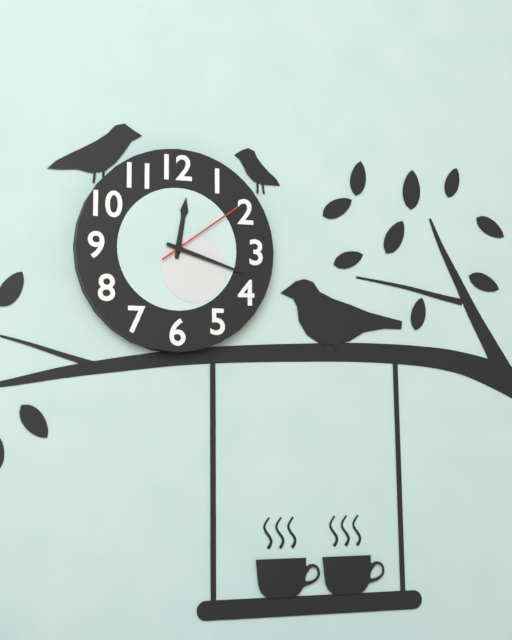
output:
12:18:09
